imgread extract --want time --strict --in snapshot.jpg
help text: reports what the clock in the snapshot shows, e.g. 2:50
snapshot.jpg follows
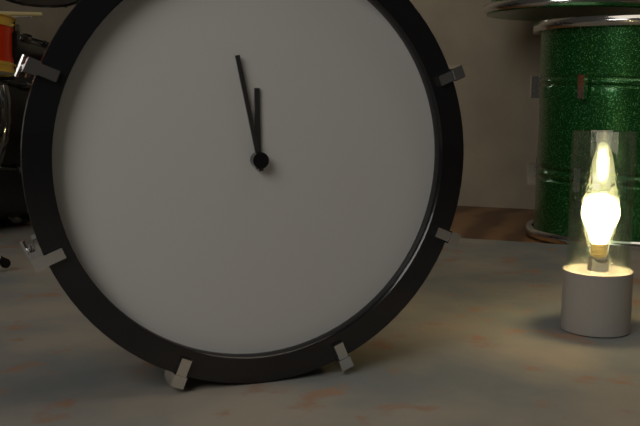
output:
11:58
